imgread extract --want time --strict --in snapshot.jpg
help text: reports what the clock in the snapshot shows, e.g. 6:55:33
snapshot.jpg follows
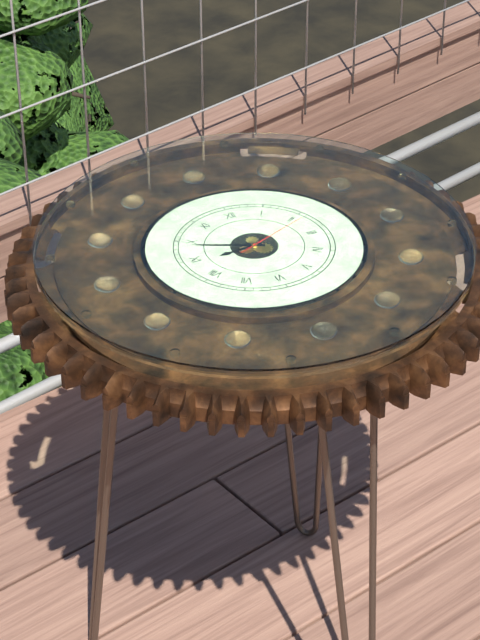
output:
8:49:11
